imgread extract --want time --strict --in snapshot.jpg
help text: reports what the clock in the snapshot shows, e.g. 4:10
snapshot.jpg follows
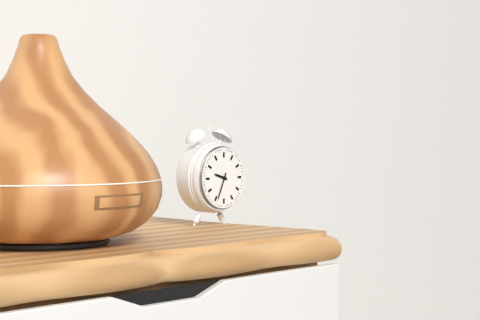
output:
9:34
